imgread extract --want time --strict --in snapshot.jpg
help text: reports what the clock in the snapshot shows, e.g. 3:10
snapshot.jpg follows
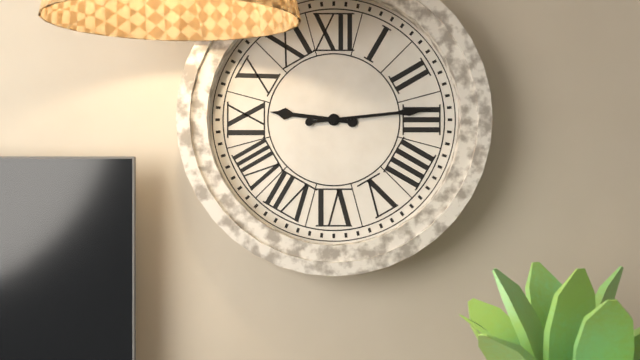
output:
9:14
